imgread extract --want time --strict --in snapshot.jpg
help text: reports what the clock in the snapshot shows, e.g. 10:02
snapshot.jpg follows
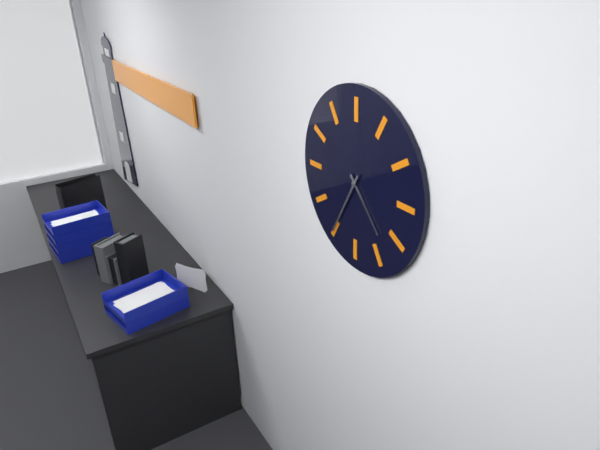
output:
4:35
